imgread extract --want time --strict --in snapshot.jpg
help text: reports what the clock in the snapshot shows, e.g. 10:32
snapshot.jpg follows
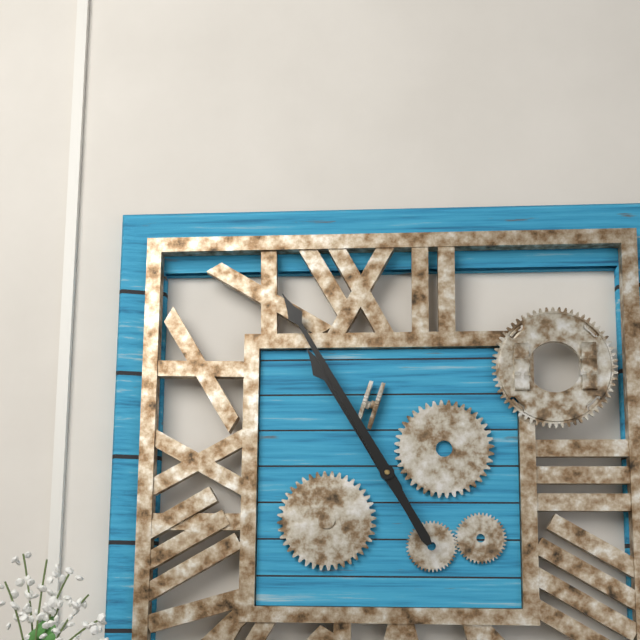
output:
10:55
